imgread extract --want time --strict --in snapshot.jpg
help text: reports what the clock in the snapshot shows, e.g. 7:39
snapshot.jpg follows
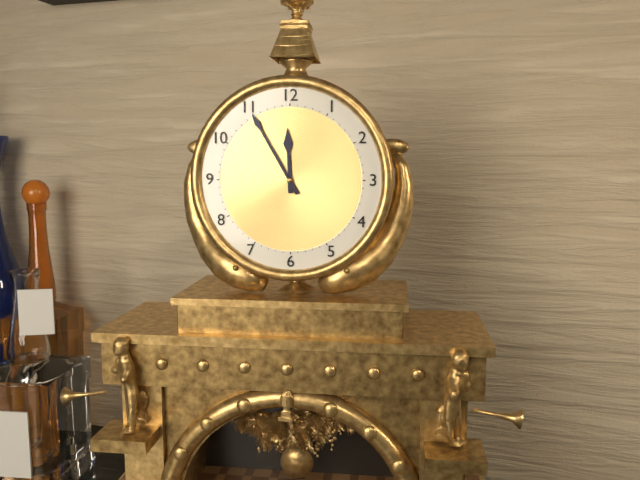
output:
11:55
